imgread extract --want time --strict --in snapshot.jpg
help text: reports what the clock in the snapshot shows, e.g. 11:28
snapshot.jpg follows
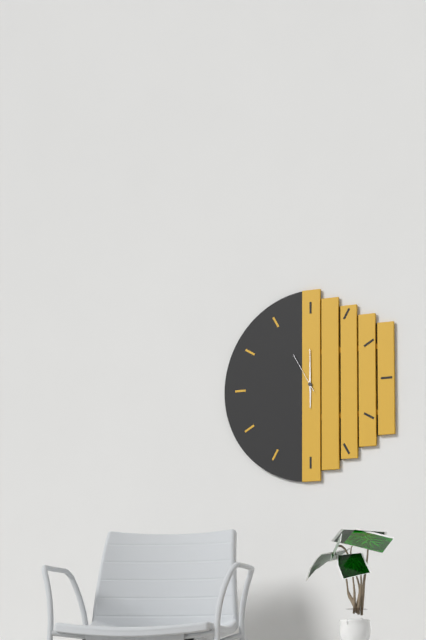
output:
6:00
